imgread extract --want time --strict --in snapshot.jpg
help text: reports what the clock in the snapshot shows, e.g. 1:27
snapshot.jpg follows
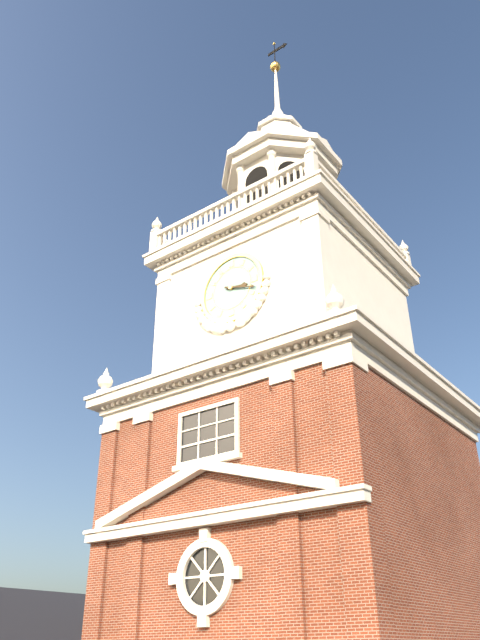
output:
3:18
